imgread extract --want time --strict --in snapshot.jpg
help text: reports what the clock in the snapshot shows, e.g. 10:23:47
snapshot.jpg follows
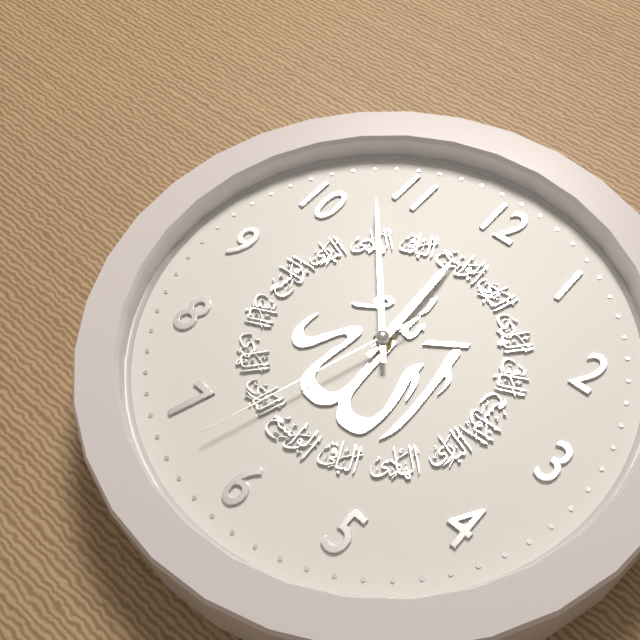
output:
11:53:33
